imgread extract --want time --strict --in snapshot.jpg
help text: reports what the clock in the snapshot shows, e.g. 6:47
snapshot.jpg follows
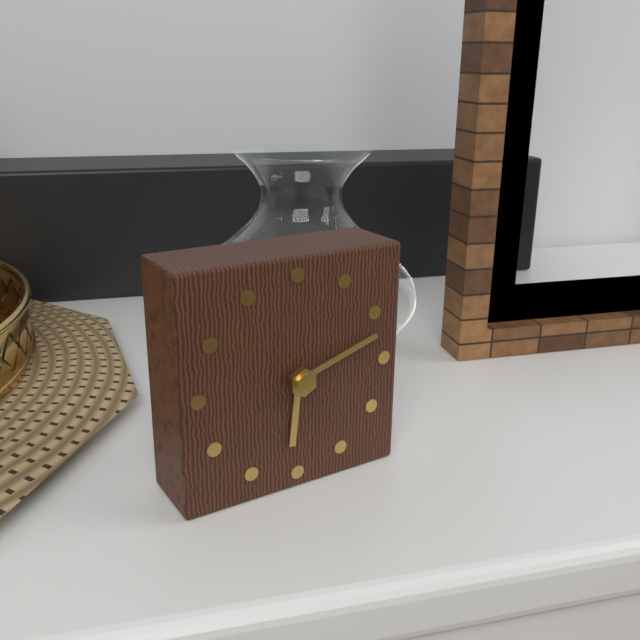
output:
6:12
